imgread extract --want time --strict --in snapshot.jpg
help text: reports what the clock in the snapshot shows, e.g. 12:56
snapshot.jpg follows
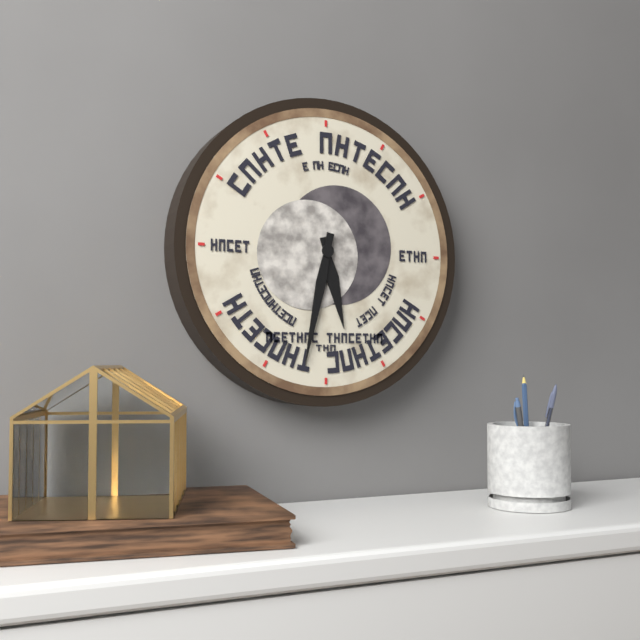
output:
5:32
